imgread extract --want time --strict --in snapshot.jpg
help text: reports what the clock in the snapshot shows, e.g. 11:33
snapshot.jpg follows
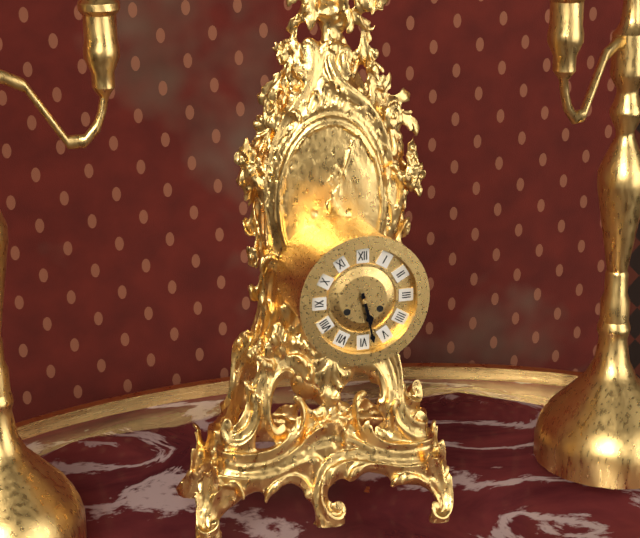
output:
5:28
